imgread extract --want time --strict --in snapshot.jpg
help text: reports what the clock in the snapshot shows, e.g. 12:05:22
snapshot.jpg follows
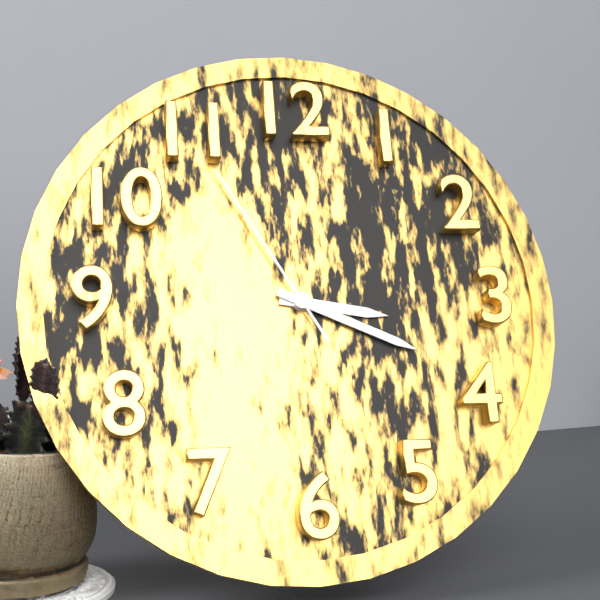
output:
3:19:55
